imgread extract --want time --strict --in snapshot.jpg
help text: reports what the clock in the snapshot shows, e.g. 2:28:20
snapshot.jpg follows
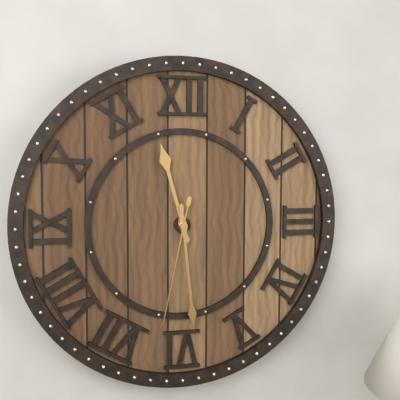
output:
11:29:32
